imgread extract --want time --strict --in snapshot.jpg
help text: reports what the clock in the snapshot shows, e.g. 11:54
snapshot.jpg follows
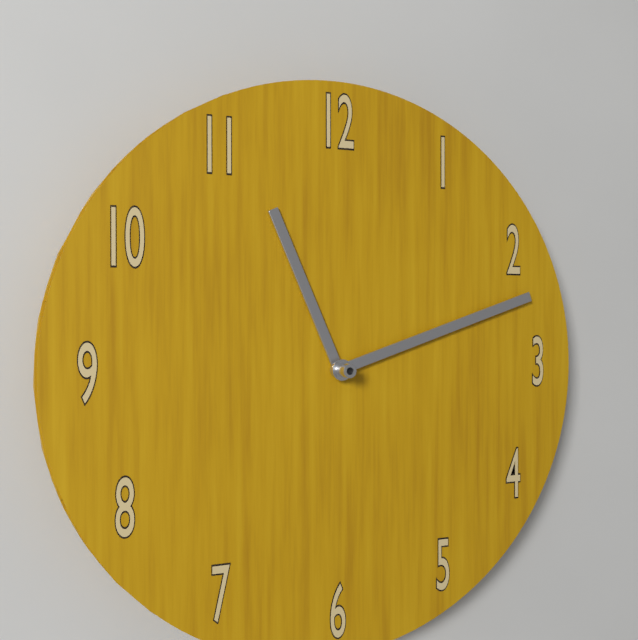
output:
11:12
